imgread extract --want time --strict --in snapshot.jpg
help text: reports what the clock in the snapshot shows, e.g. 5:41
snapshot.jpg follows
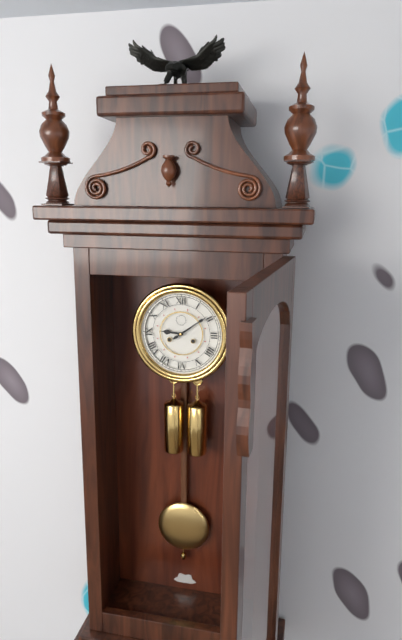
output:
9:09
